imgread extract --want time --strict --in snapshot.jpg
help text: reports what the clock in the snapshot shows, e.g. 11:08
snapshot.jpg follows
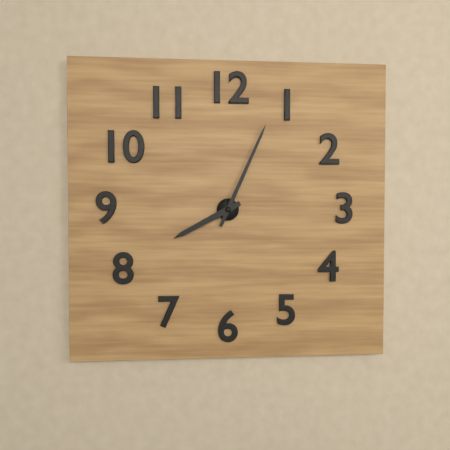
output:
8:04
